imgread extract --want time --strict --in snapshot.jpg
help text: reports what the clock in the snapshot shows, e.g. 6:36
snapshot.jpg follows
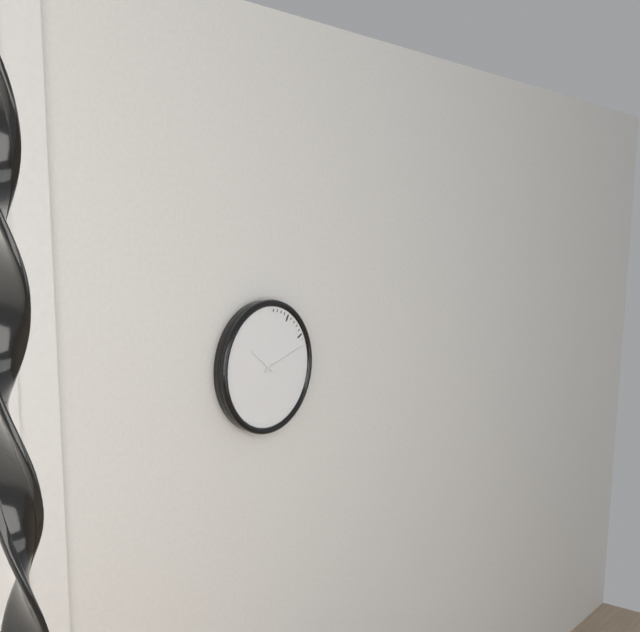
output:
10:12
